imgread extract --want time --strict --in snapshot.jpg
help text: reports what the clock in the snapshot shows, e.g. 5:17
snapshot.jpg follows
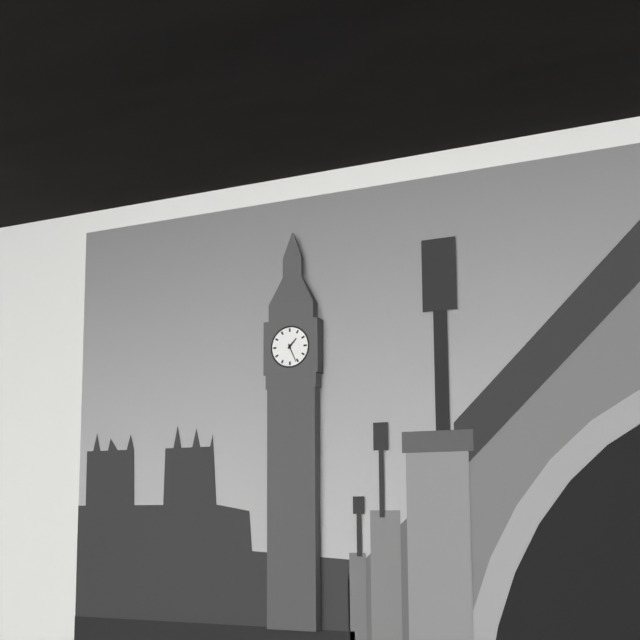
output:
1:26
